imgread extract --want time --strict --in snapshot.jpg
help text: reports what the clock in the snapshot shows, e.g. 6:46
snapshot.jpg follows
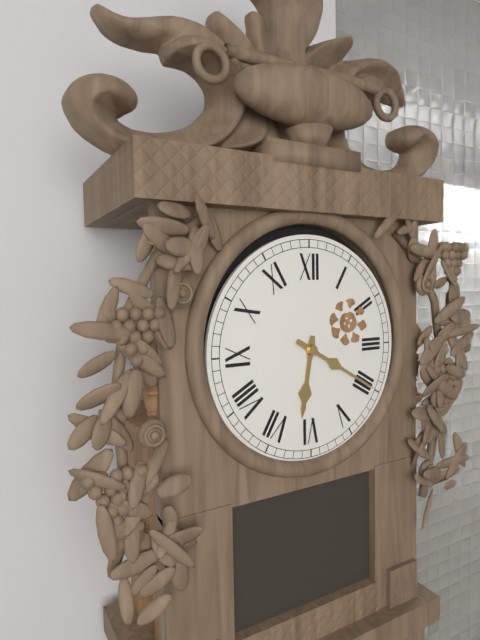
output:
6:20
